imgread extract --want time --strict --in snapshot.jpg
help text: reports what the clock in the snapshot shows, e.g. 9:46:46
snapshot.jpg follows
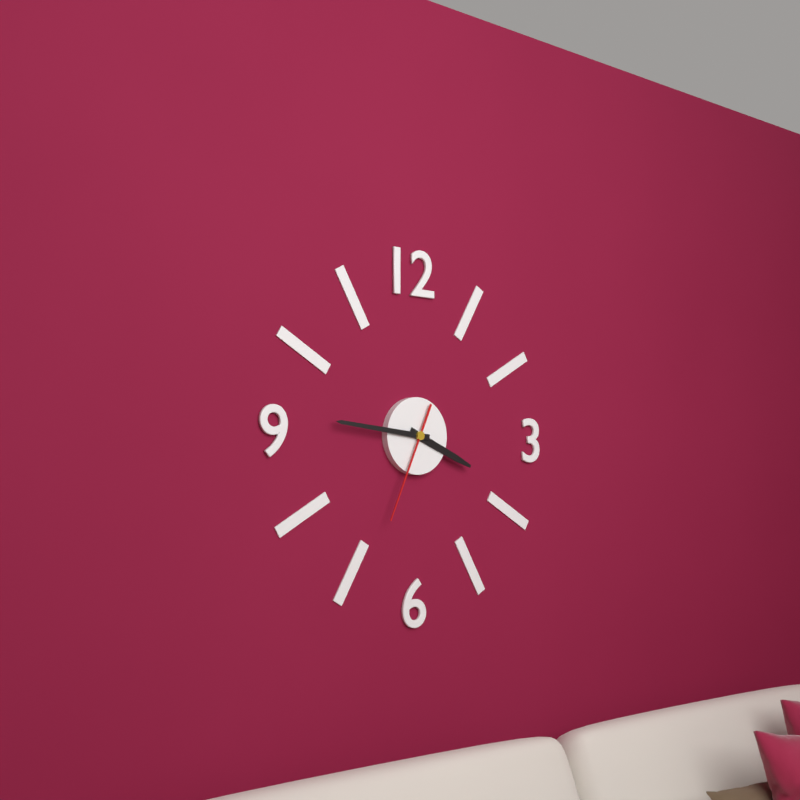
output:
3:46:34
